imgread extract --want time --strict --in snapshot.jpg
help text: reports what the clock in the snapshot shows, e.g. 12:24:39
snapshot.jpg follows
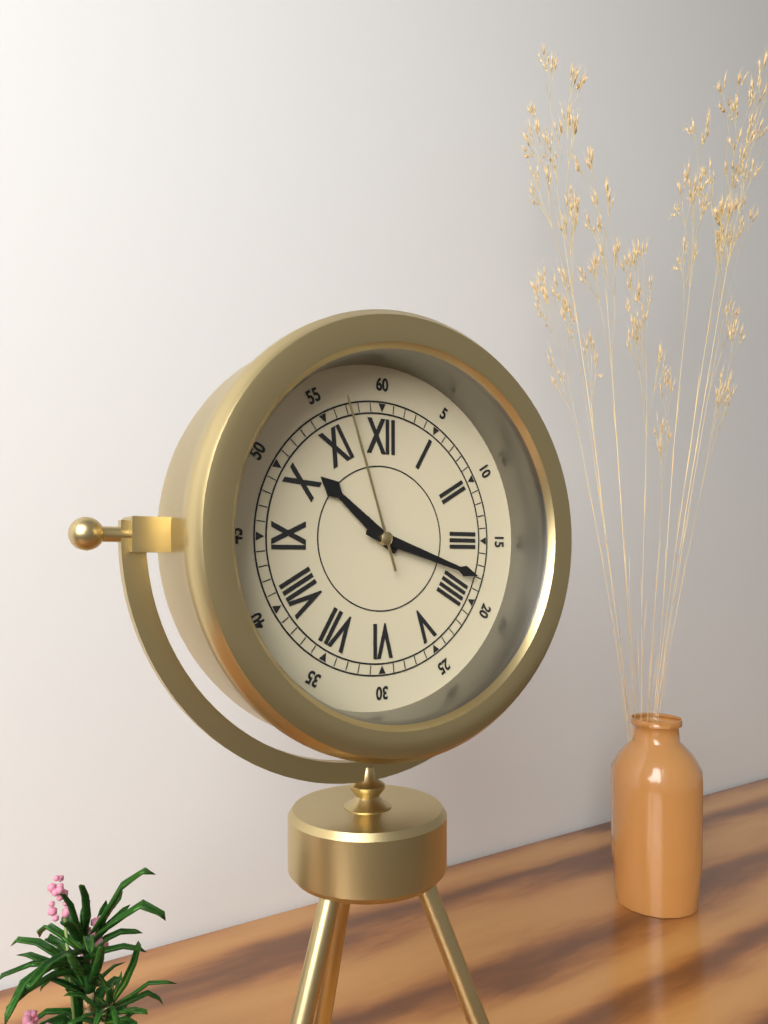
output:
10:18:57
